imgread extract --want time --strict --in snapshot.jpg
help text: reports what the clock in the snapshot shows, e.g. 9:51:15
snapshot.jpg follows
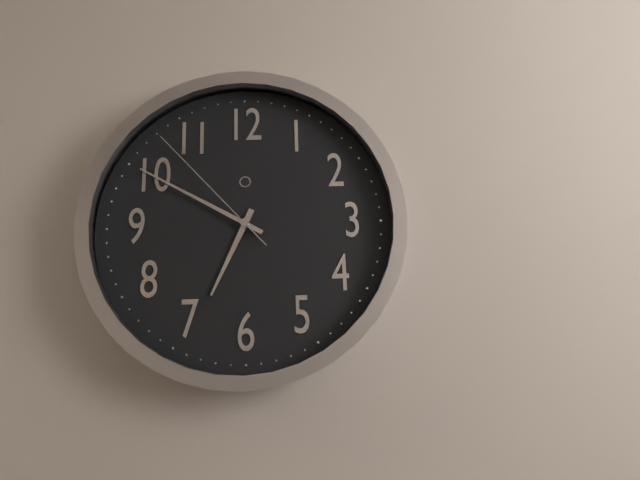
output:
6:50:53
